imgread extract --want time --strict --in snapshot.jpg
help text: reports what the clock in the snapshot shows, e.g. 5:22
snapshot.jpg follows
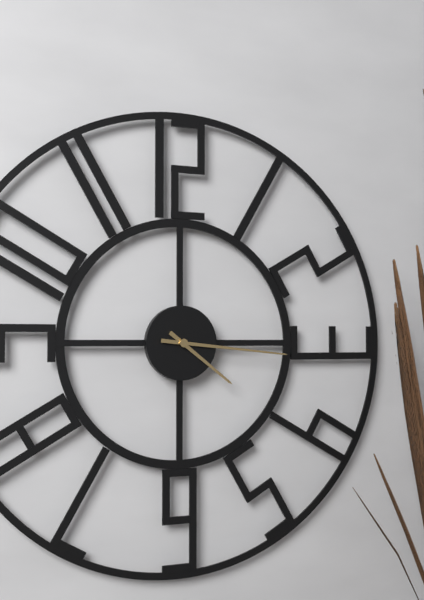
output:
4:16
